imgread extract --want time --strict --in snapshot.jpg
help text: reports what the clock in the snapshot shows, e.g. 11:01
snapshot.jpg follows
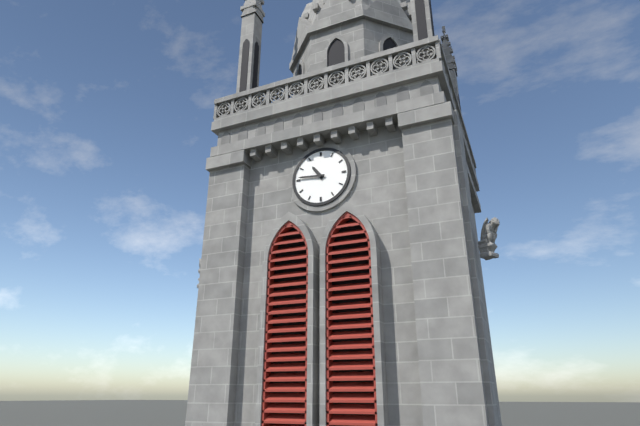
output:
10:46
